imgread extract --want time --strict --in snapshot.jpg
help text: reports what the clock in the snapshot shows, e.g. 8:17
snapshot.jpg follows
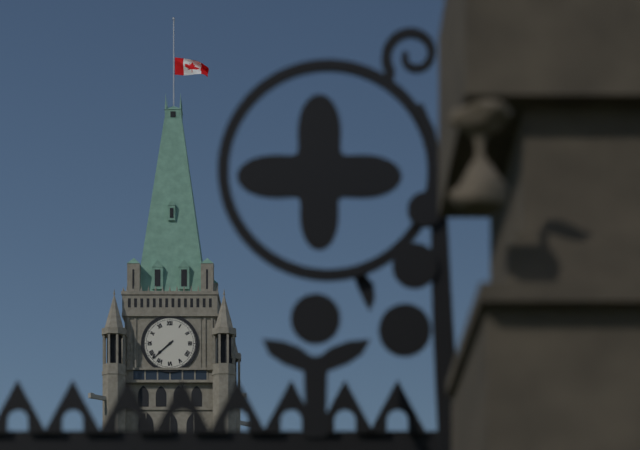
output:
7:38
